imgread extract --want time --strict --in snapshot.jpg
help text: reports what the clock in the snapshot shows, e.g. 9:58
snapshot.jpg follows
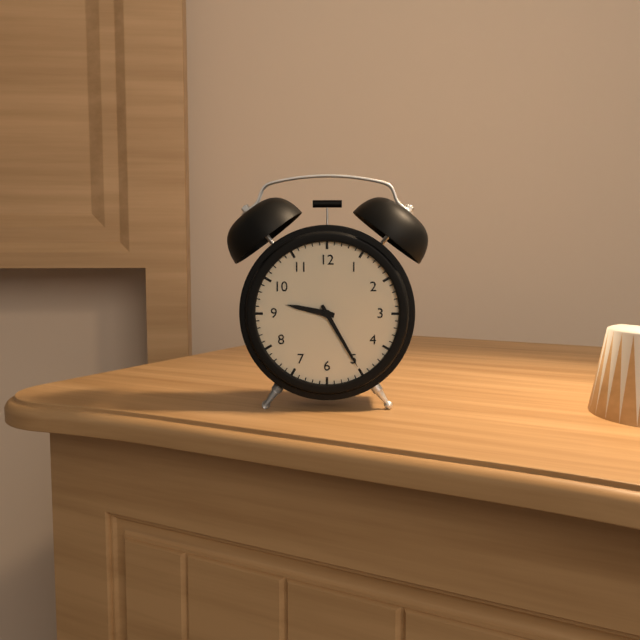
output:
9:25
